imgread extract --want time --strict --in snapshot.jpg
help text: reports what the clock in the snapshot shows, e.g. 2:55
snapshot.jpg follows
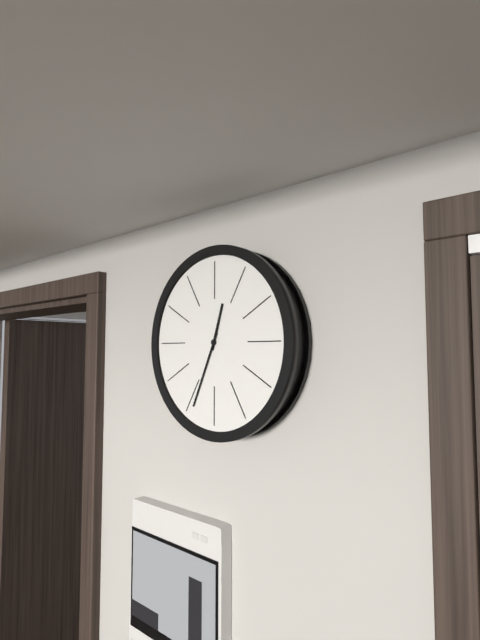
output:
12:34
